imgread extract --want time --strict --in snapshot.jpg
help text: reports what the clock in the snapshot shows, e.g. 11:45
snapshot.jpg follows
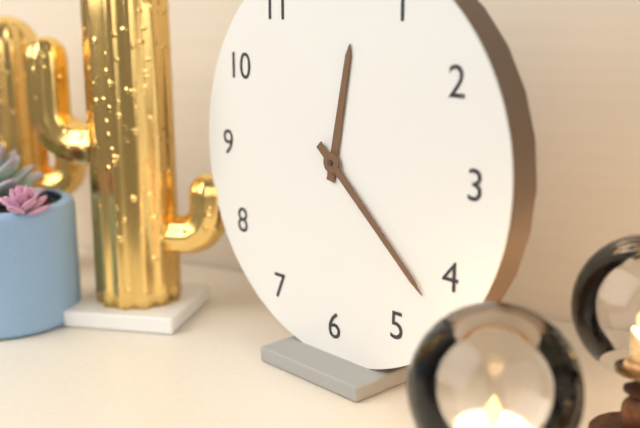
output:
12:22
